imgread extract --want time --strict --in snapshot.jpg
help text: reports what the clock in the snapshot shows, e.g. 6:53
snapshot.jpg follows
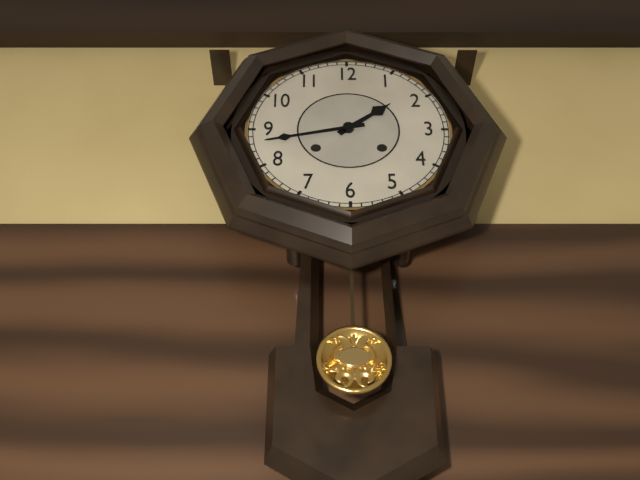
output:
1:43
